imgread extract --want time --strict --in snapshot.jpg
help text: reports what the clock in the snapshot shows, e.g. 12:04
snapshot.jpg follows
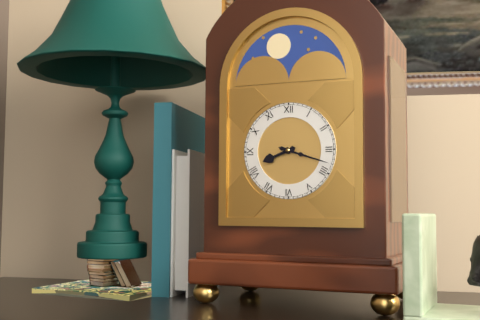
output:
8:18
